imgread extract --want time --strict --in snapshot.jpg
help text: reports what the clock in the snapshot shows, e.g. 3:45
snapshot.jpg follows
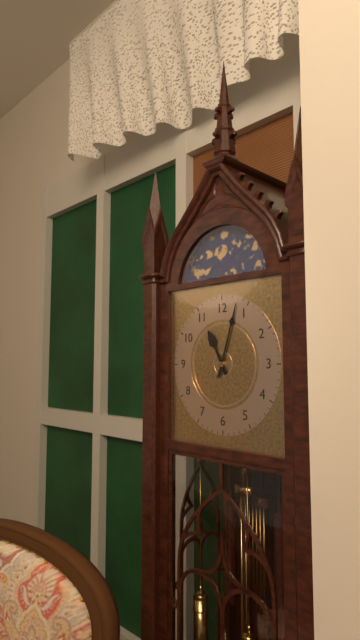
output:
11:03
